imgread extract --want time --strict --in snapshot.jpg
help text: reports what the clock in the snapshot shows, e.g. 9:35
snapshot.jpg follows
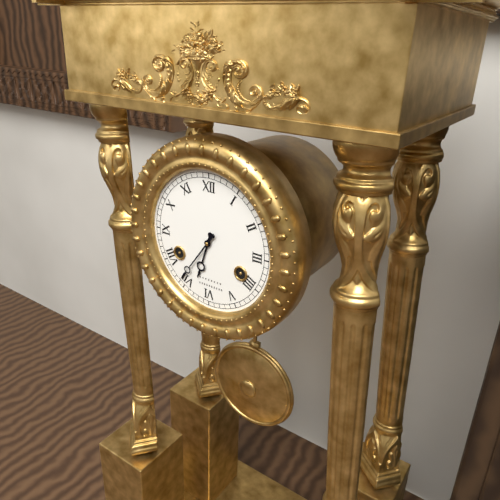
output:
6:36
